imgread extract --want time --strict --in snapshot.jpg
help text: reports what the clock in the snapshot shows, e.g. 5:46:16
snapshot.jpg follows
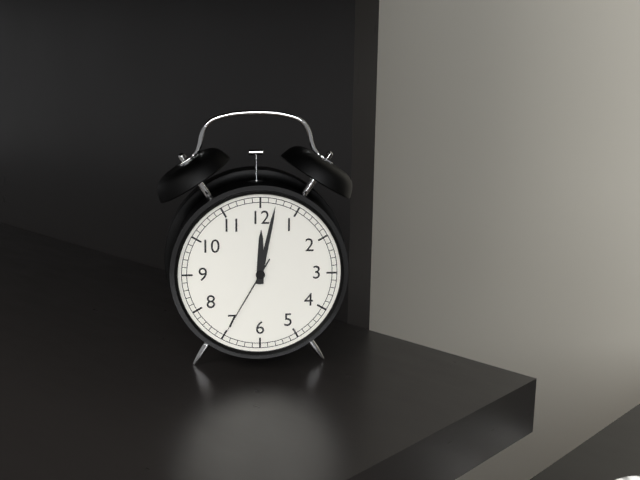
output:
12:02:35
